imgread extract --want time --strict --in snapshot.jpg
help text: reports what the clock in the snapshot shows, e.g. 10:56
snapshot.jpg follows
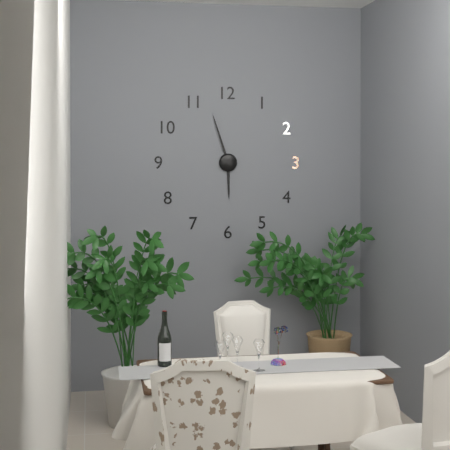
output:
5:57
